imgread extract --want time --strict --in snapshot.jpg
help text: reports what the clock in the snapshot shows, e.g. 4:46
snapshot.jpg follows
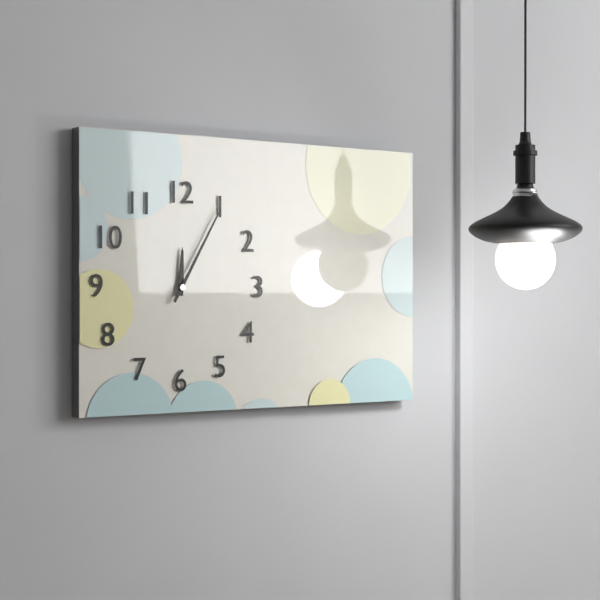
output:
12:05
